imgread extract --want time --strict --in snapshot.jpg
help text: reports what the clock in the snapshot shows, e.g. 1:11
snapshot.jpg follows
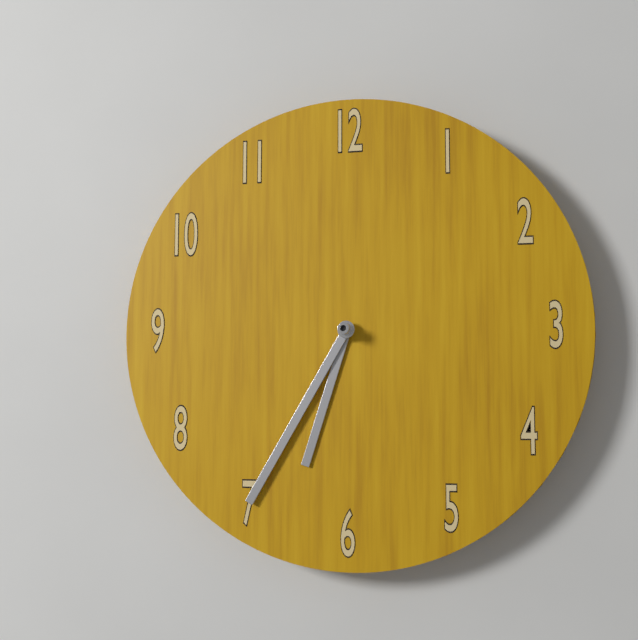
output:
6:35
